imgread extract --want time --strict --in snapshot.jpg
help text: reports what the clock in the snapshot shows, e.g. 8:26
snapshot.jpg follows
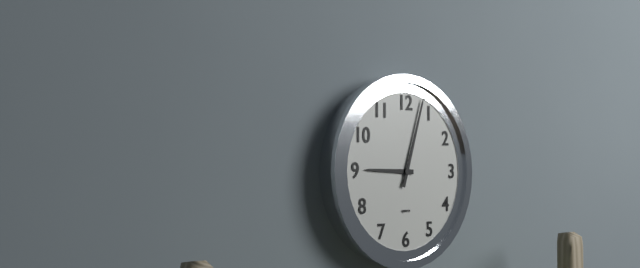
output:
9:03
